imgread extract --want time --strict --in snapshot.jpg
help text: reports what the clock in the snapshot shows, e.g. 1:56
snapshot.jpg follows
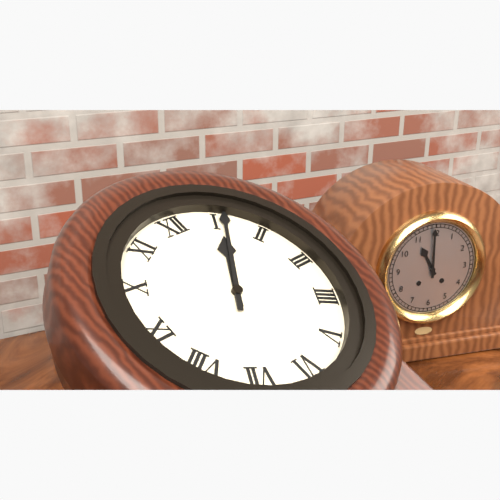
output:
1:06
